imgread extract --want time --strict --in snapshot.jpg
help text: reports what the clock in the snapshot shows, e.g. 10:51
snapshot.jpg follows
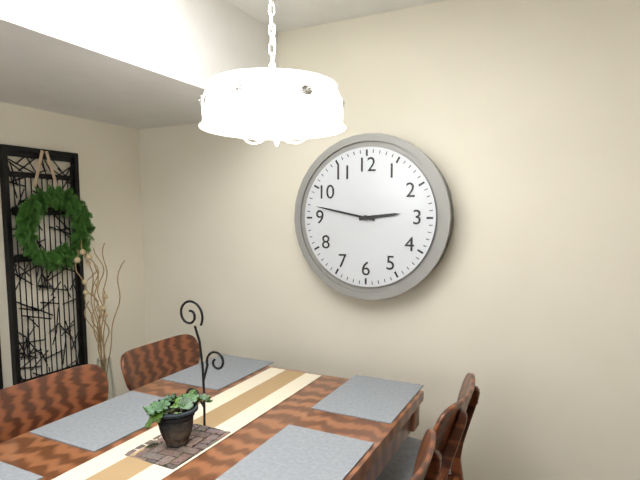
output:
2:47
